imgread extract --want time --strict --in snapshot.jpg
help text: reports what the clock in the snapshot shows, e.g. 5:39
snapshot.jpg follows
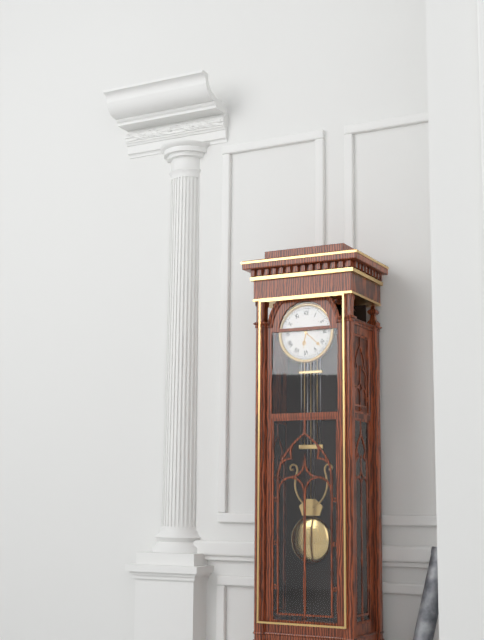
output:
6:22
